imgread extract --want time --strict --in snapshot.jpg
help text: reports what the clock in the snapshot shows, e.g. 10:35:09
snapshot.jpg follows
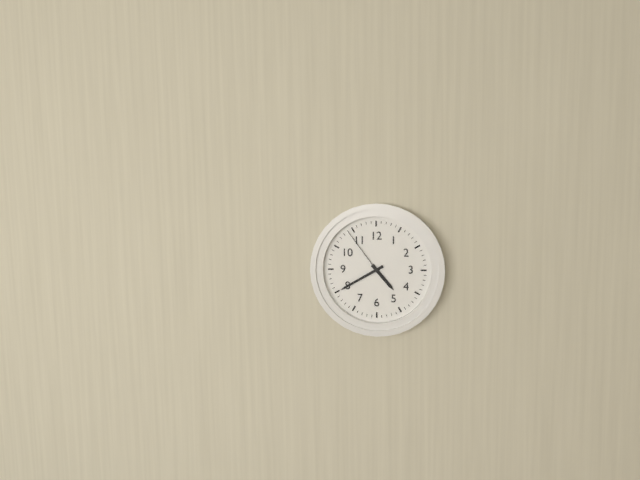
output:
4:40:54
